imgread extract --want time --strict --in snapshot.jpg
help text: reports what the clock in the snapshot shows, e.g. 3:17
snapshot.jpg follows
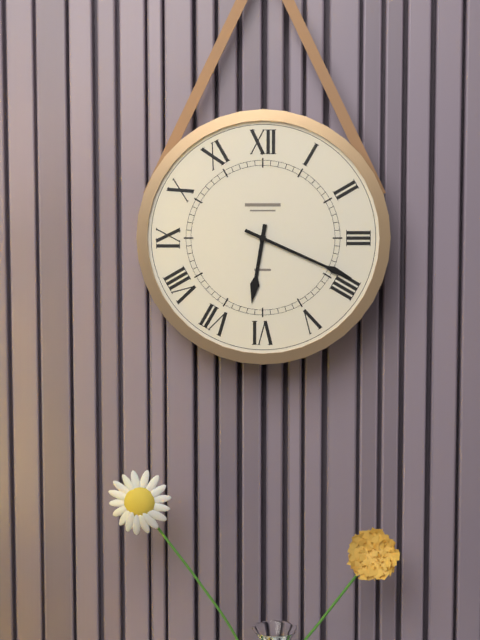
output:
6:19
